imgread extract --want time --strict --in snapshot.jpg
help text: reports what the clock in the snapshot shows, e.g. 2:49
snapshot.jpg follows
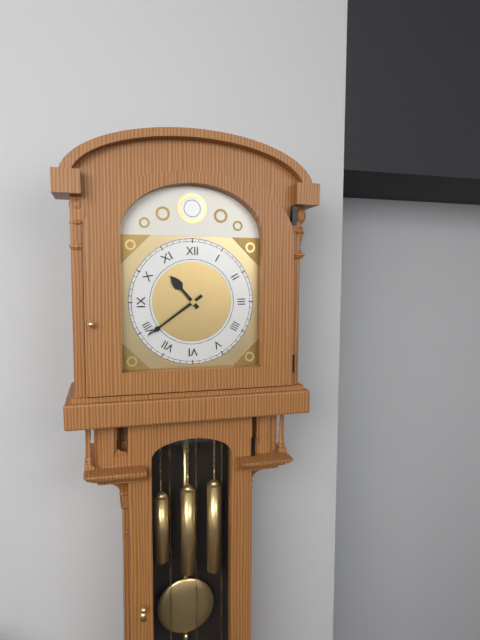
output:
10:39
